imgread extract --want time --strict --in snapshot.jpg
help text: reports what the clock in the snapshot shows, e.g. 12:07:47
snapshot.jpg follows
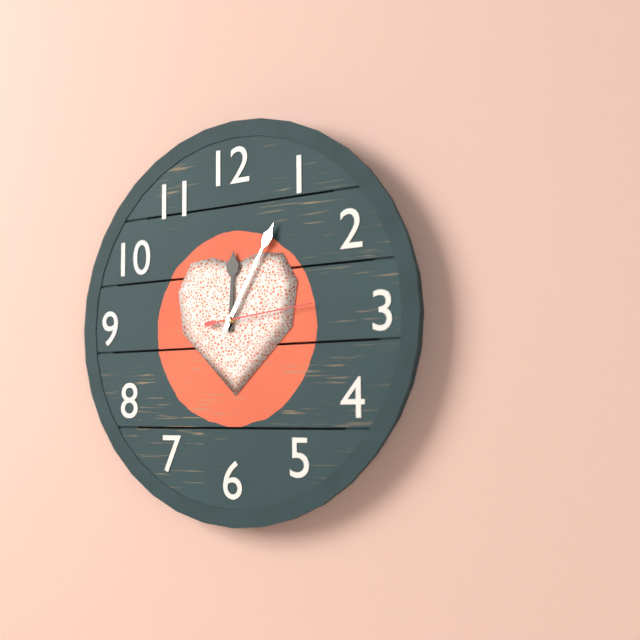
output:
12:05:14
